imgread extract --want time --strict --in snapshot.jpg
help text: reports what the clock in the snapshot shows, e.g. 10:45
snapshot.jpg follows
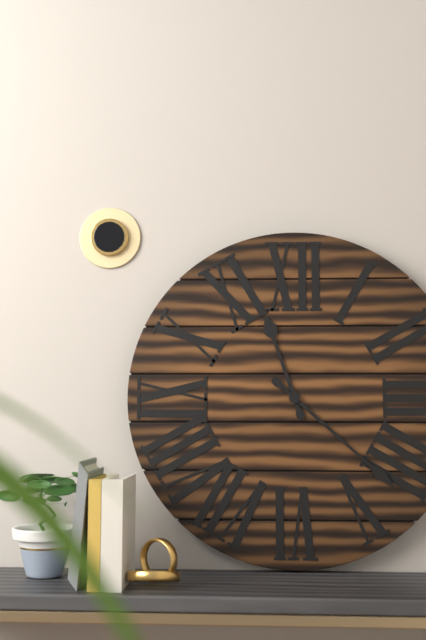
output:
11:22
